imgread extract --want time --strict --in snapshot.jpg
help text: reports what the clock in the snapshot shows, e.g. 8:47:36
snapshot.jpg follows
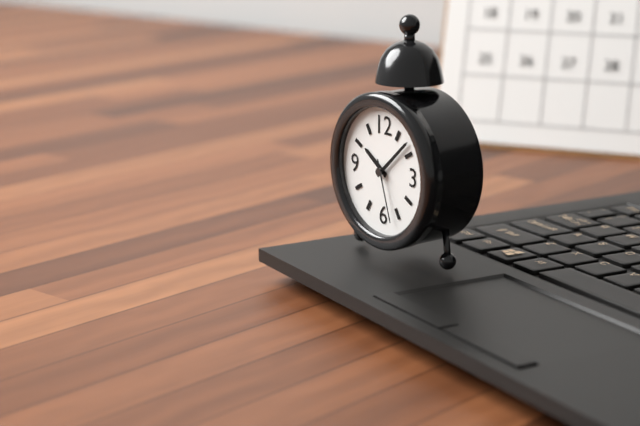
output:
10:08:27
